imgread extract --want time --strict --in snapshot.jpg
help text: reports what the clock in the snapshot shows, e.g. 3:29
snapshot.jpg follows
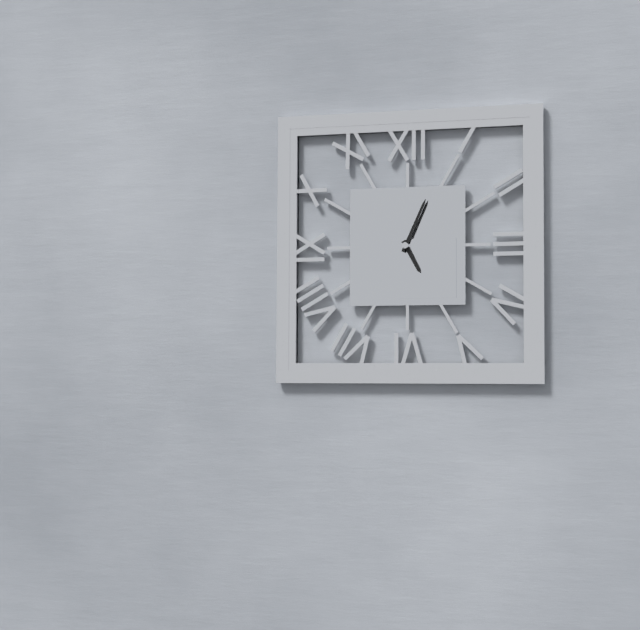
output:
5:04
